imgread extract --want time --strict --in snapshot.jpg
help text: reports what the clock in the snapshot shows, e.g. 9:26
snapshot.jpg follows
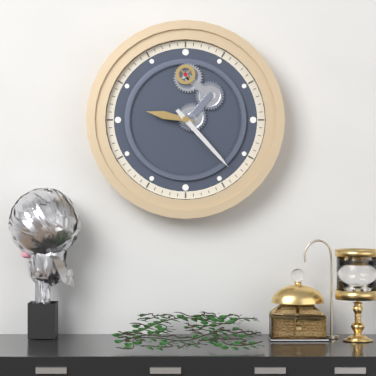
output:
9:23
